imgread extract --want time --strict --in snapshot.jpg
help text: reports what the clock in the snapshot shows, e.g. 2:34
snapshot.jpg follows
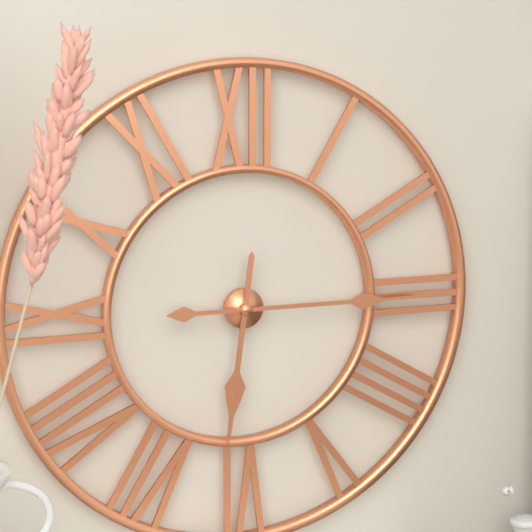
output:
6:15
